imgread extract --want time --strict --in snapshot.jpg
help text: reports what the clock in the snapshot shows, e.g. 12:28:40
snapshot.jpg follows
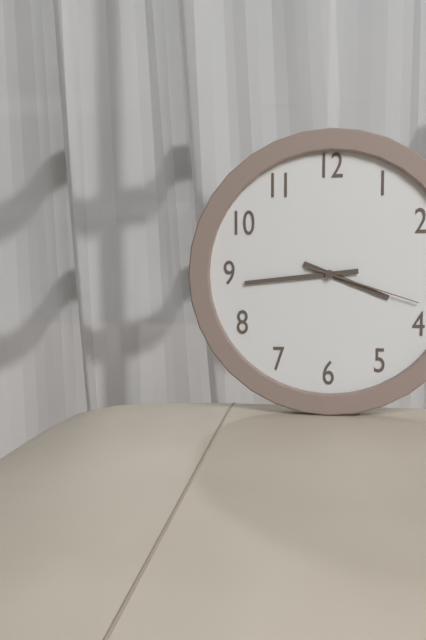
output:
3:44:18
